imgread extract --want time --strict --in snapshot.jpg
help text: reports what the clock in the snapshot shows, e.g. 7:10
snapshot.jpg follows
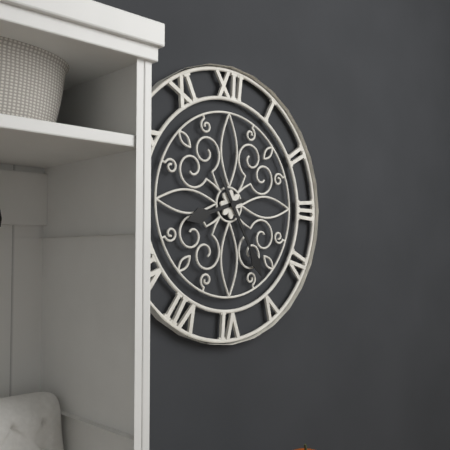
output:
8:25
